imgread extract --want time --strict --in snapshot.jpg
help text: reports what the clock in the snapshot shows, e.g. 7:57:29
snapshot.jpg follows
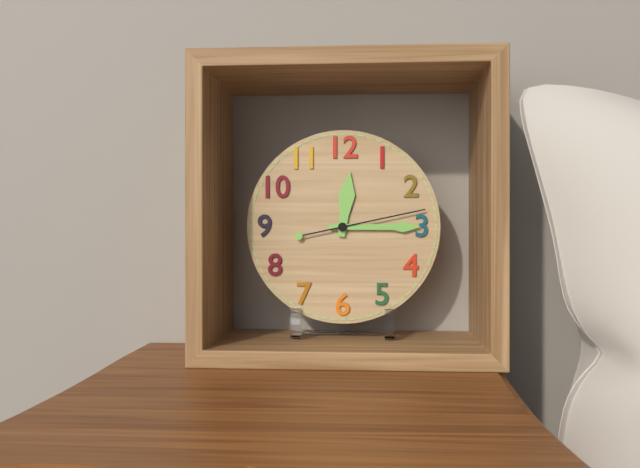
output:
12:15:13
